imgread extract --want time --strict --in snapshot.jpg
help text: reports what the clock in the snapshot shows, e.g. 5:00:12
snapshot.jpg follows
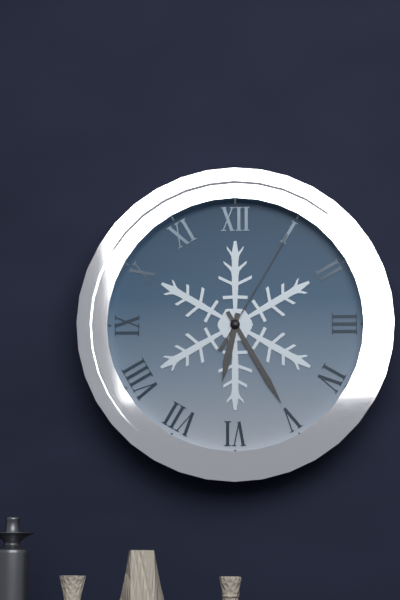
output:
6:25:05
